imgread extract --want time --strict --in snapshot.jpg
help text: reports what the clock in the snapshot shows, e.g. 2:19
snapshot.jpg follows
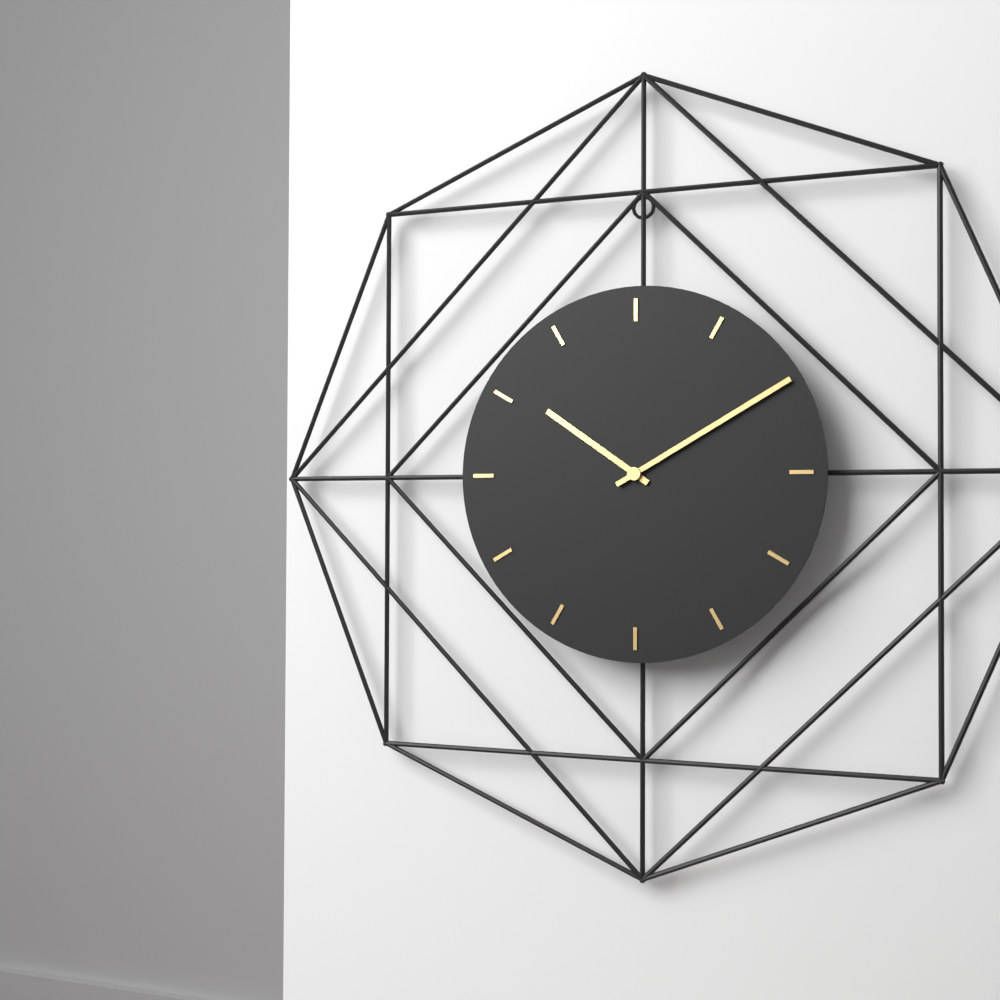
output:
10:10
